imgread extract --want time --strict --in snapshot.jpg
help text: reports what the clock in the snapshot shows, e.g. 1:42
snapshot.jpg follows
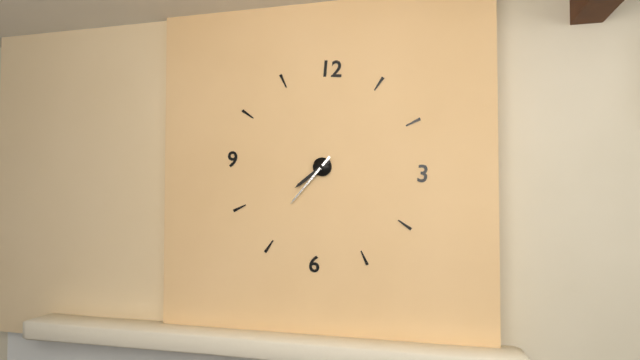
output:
7:36
